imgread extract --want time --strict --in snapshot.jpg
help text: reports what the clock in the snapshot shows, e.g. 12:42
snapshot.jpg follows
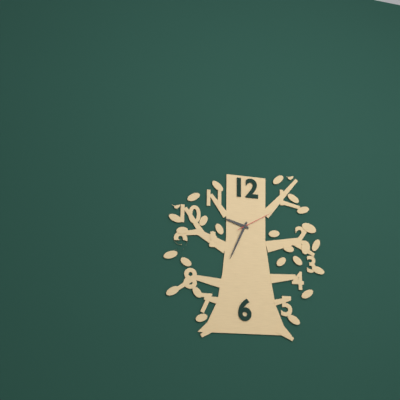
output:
9:34
